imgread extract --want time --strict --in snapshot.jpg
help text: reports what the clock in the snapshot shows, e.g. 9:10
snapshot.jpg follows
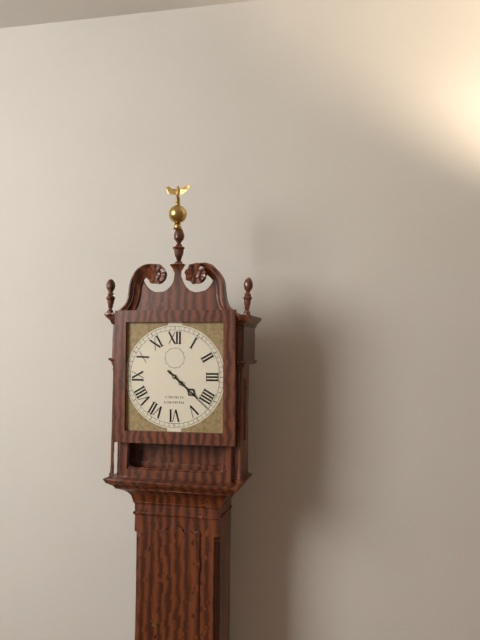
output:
4:22
